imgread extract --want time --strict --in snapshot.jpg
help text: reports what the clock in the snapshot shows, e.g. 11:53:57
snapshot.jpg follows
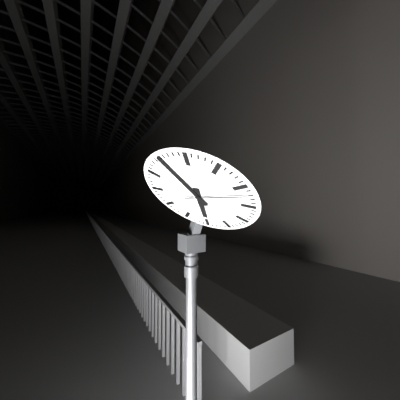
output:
7:00:17
